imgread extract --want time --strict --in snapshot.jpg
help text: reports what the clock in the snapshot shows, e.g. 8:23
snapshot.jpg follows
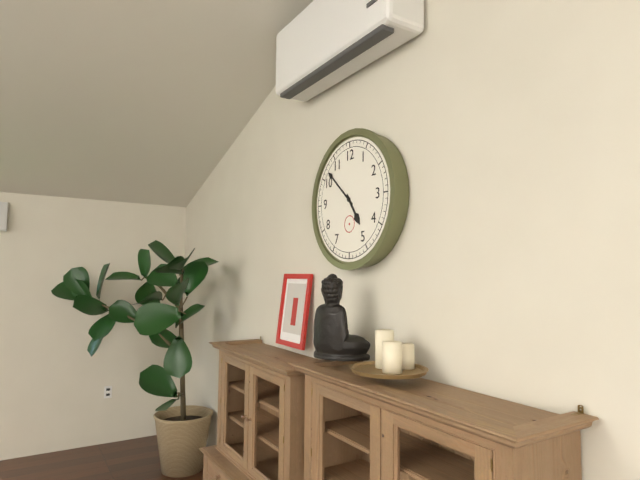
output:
4:52
